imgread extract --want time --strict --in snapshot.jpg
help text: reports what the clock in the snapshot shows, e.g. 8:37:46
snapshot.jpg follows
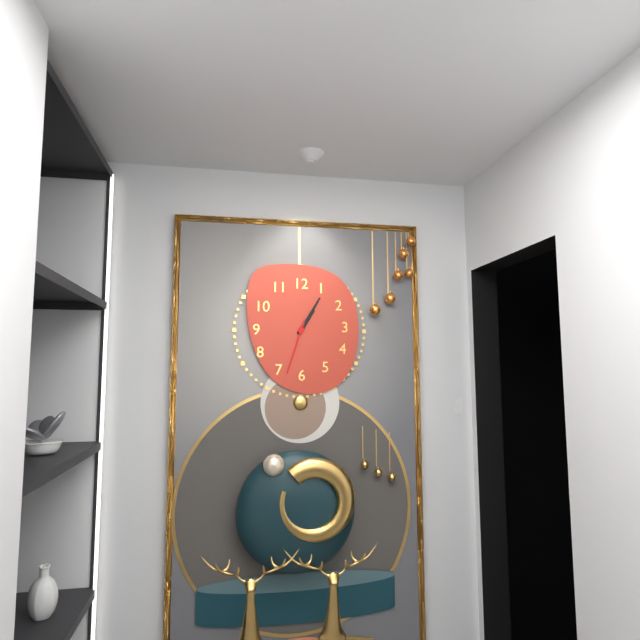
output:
1:05:33
